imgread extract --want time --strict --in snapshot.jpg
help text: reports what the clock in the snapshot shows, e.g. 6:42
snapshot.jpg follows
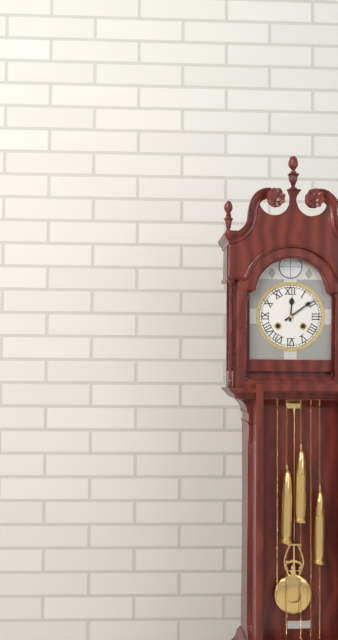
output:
12:09
